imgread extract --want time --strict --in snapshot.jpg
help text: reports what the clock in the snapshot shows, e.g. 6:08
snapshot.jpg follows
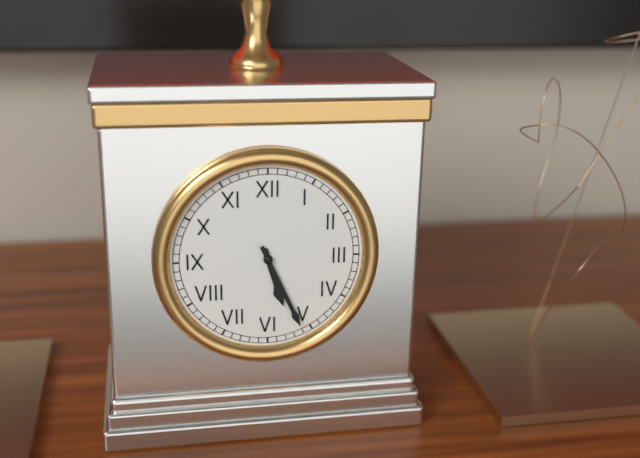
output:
5:26
